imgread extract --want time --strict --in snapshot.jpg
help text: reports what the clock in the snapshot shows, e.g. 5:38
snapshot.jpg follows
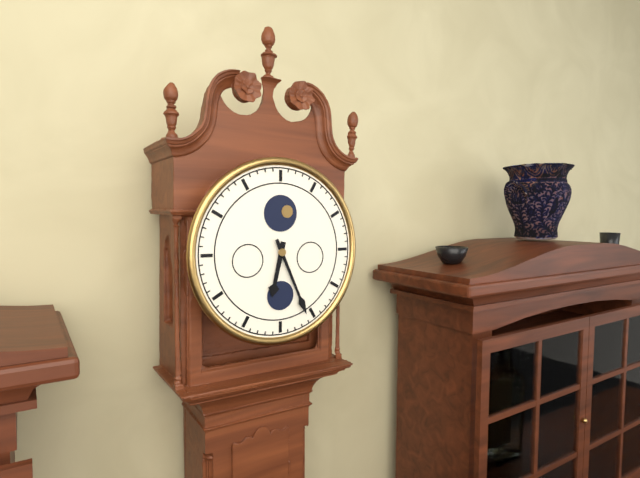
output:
6:26
